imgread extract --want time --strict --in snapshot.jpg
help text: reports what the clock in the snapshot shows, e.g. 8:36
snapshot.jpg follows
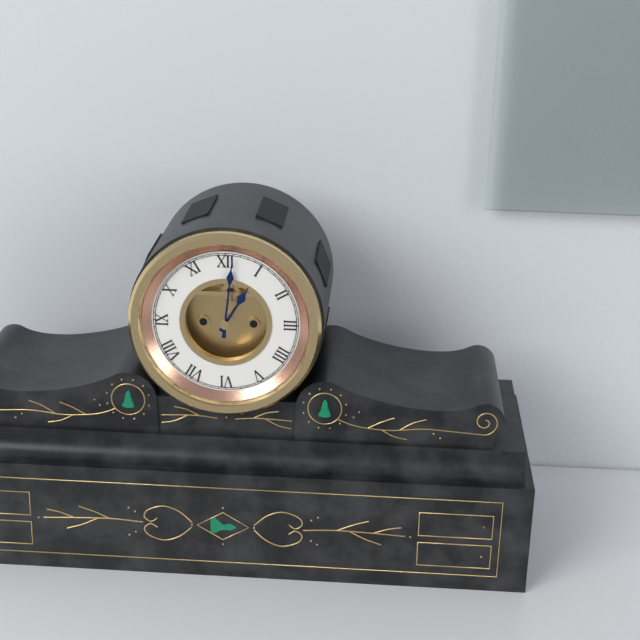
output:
1:01
